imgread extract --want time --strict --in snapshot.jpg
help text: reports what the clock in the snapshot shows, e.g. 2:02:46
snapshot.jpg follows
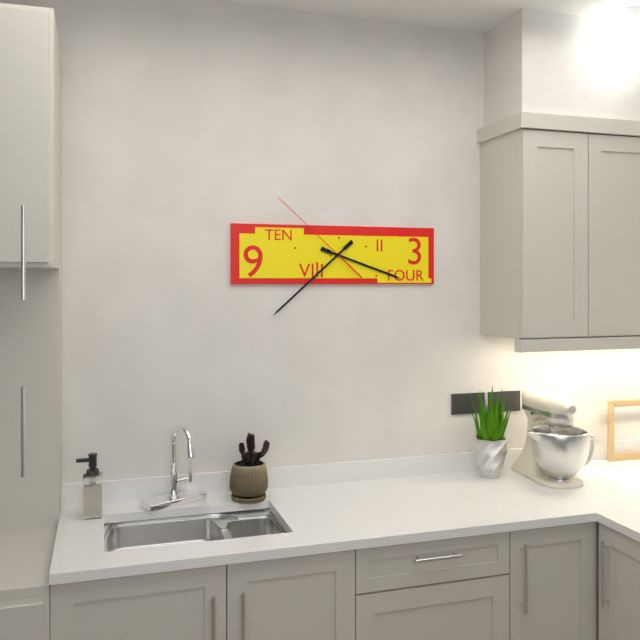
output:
3:38:52
